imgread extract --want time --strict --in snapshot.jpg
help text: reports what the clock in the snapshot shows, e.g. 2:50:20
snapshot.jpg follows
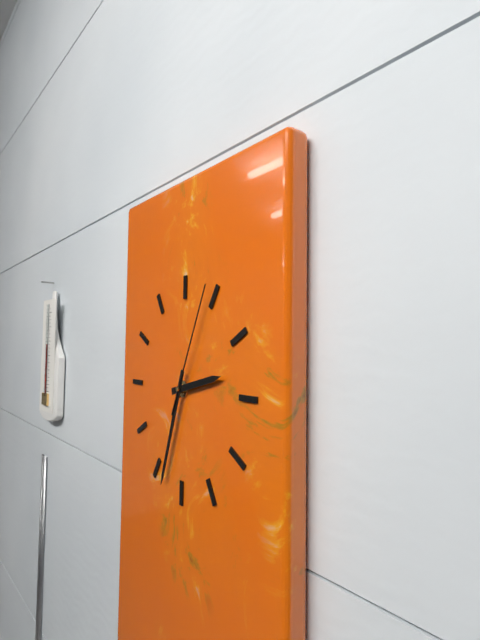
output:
2:33:04
